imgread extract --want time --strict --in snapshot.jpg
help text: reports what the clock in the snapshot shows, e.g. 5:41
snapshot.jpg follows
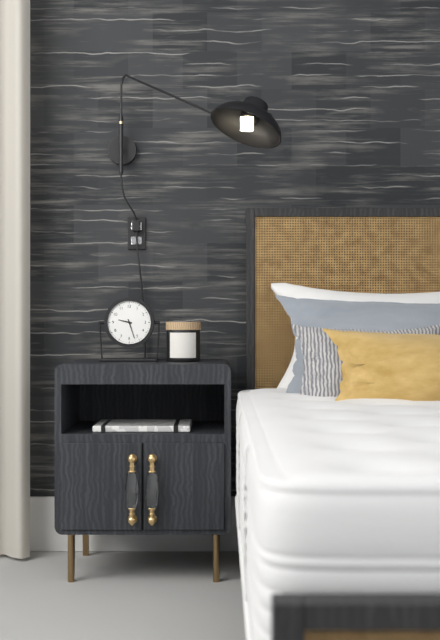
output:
9:27
